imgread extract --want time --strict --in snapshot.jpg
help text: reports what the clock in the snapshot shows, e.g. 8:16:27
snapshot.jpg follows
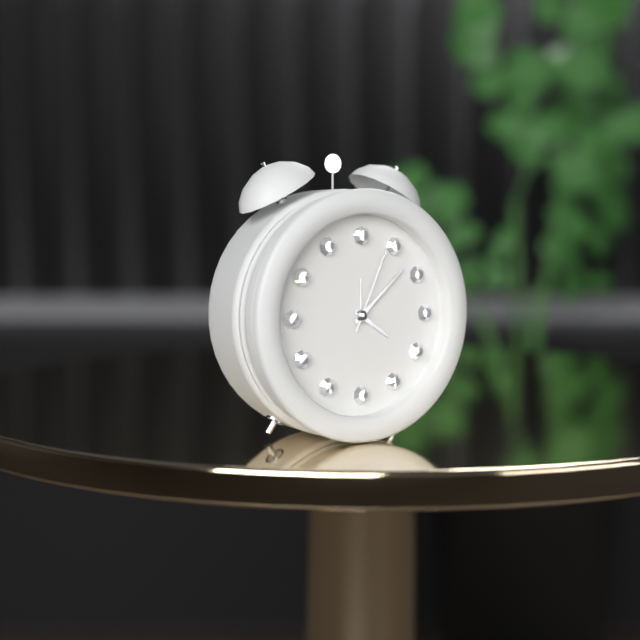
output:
4:08:04
